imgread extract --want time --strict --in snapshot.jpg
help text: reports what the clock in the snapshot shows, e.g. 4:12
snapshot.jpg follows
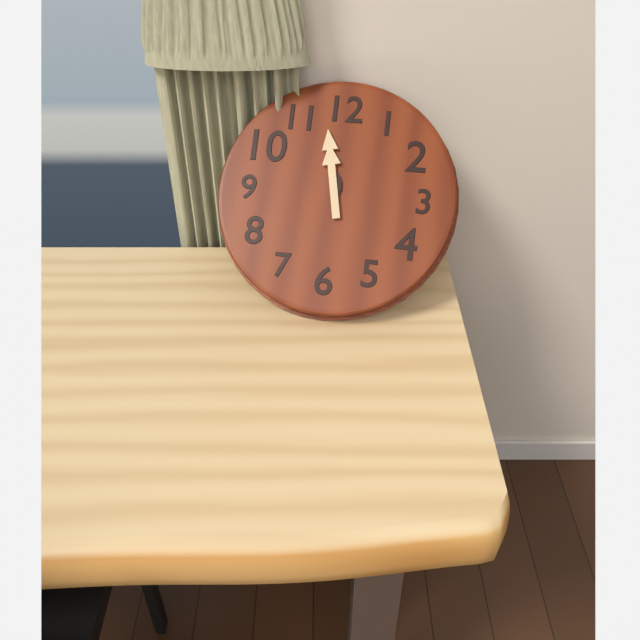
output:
11:58
